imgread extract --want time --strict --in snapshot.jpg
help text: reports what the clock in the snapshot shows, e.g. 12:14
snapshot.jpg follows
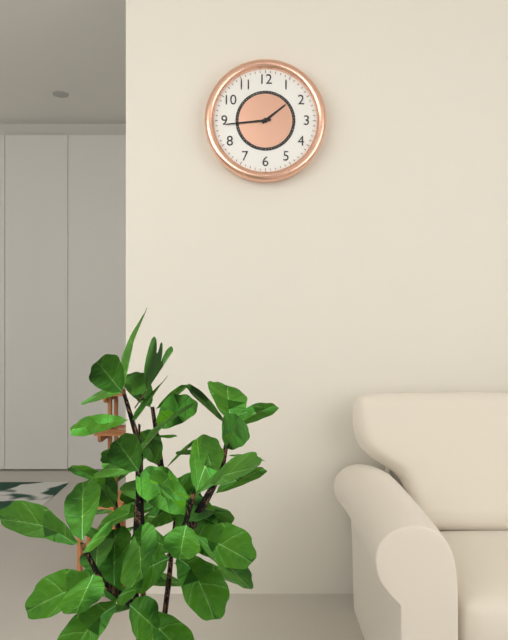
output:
1:44
